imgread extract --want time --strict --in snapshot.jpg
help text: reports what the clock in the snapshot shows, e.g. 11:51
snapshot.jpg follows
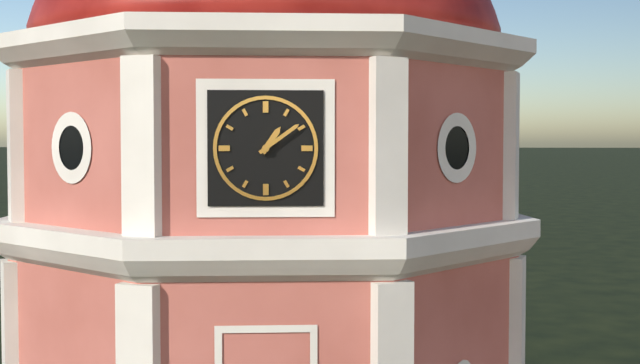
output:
1:09
